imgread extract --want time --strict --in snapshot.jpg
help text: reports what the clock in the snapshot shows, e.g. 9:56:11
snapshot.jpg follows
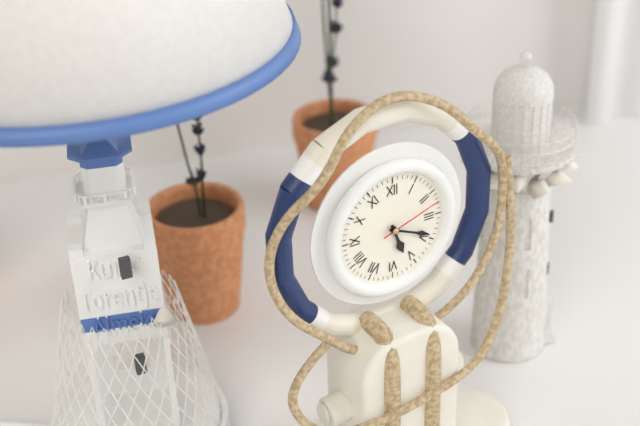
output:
5:19:12
